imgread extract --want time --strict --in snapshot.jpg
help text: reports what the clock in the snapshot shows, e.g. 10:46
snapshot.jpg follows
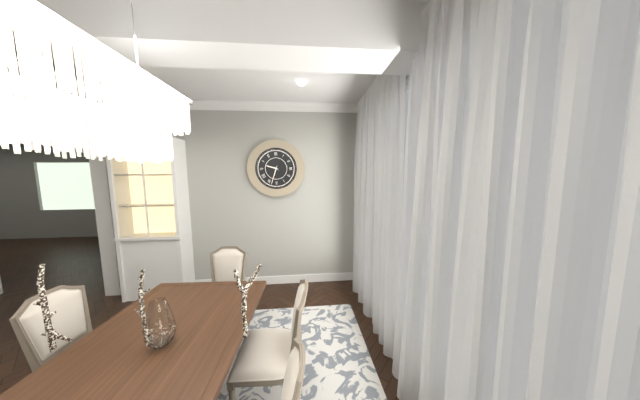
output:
9:33
